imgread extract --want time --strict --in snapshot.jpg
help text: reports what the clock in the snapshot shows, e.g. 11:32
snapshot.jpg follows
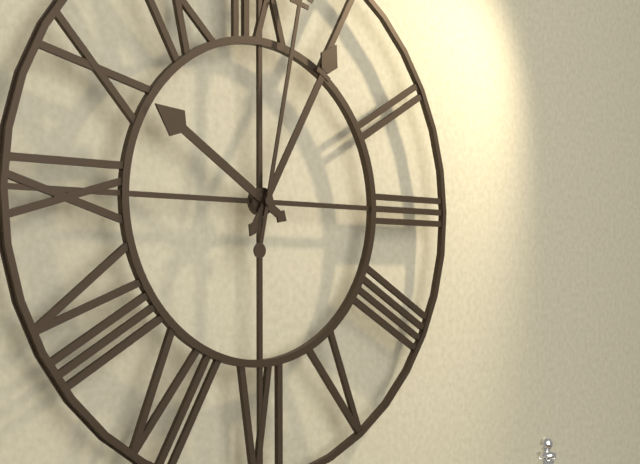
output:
10:05
